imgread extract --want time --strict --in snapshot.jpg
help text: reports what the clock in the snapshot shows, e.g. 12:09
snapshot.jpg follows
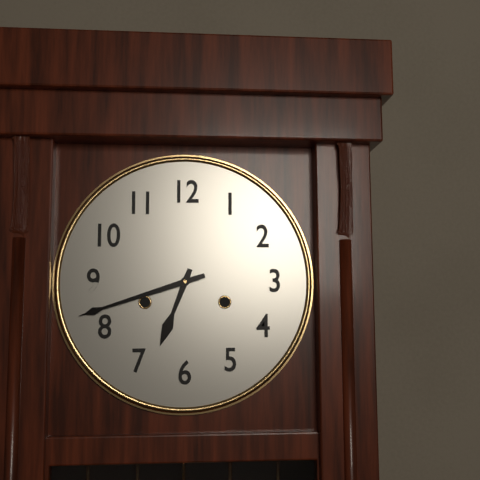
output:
6:42
